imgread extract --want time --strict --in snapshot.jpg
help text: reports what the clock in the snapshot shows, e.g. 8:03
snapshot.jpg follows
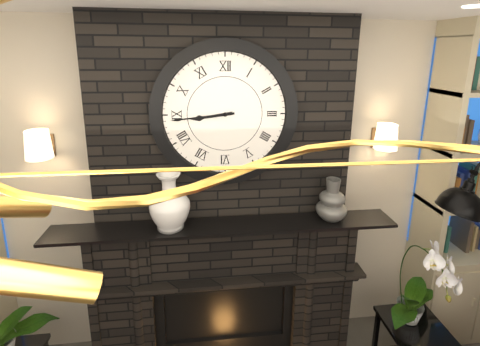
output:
8:44
